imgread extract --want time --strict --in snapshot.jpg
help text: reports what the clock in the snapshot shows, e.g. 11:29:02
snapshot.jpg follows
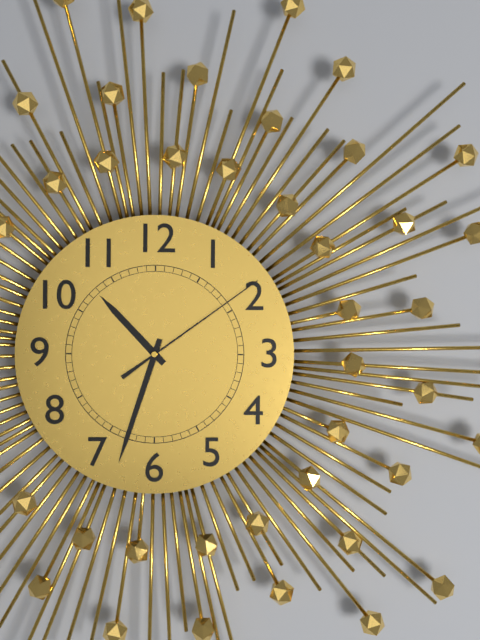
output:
10:33:09
